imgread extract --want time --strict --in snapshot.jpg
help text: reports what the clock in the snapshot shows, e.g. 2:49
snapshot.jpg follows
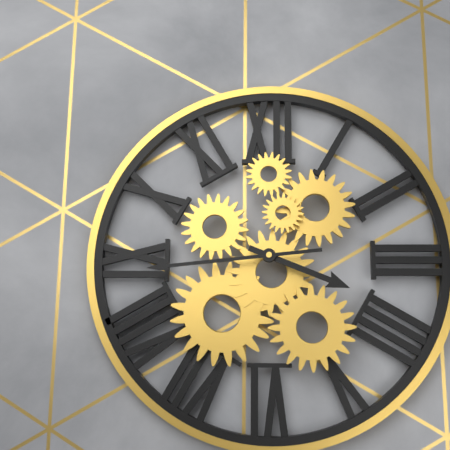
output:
3:44
